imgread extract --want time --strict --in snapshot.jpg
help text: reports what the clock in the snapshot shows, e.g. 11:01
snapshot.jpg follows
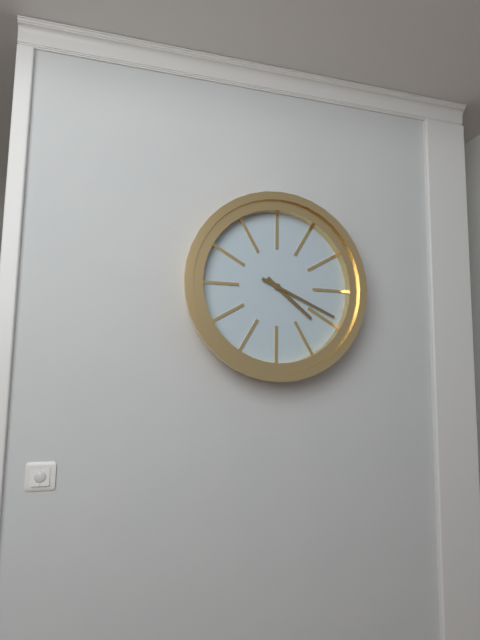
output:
4:19
